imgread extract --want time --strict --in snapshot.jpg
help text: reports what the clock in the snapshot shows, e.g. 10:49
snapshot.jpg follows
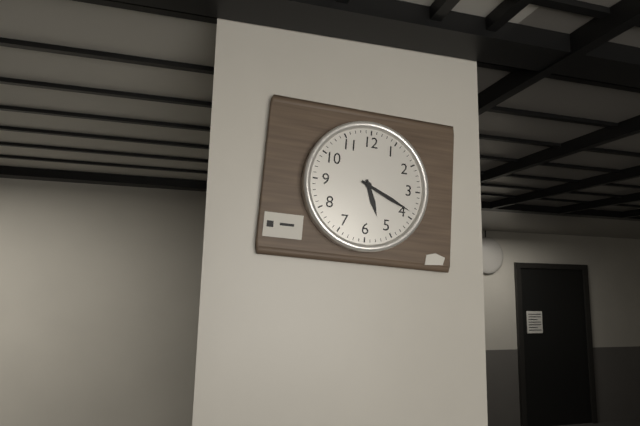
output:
5:19
